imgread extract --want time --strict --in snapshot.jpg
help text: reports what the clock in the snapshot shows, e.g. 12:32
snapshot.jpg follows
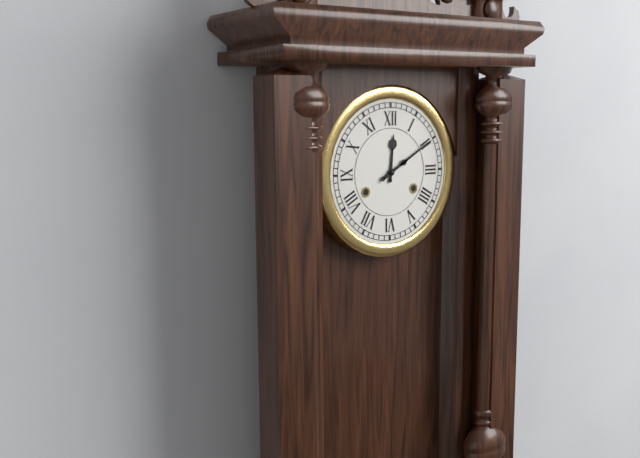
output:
12:10
